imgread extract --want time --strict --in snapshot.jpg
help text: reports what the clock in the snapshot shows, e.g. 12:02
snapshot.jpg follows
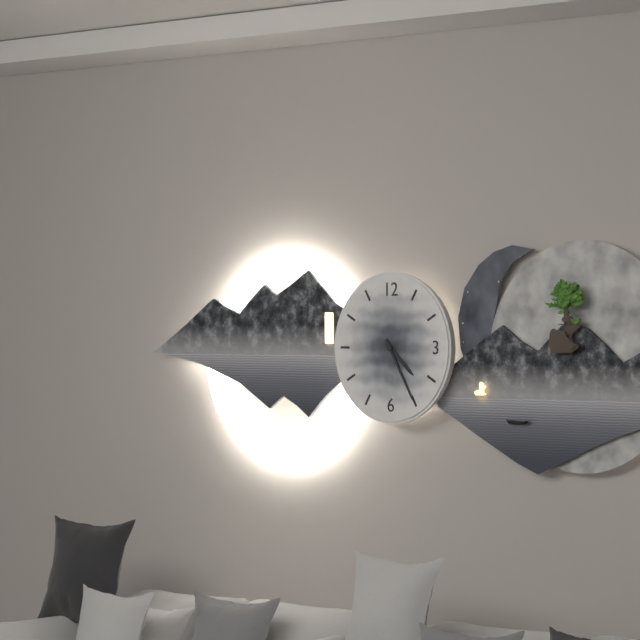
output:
4:25
